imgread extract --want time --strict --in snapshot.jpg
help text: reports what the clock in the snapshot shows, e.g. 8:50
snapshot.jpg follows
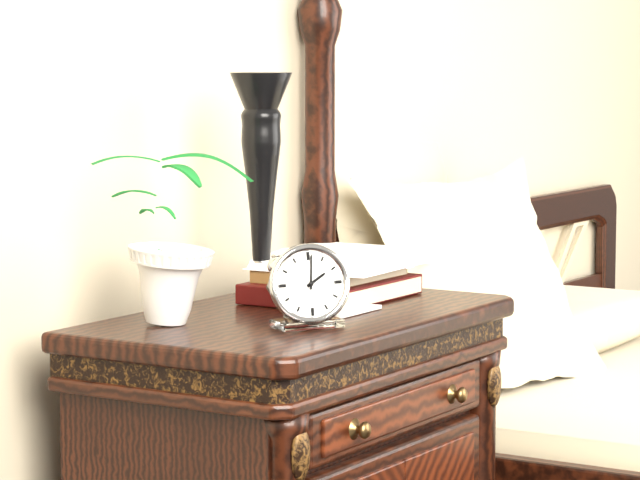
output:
2:01
